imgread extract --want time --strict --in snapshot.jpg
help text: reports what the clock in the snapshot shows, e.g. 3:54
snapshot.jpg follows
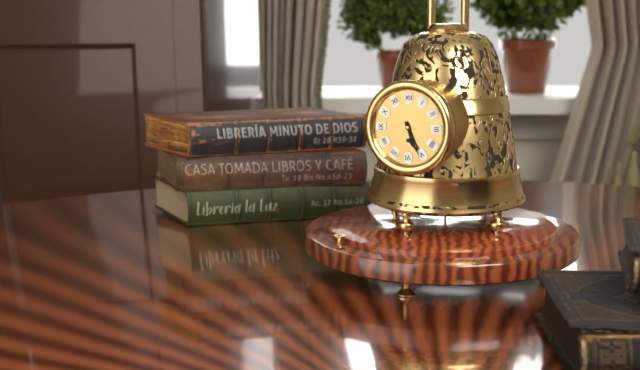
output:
5:26
